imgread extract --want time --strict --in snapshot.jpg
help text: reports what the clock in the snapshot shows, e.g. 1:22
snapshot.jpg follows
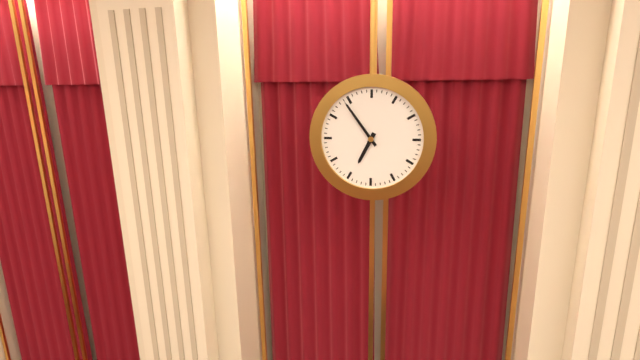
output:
6:54
